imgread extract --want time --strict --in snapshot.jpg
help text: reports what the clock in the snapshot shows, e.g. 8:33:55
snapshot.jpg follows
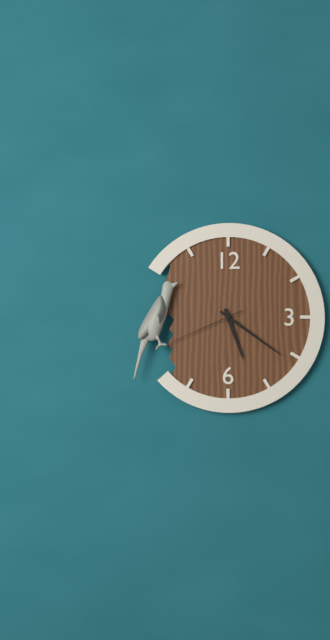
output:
5:21:41
